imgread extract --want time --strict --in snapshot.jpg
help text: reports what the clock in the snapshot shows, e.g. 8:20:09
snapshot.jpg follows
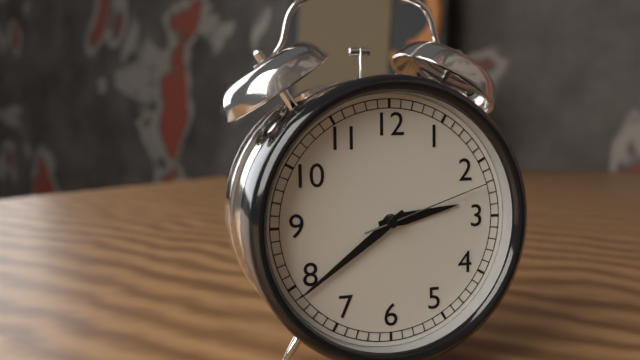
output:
2:39:12
